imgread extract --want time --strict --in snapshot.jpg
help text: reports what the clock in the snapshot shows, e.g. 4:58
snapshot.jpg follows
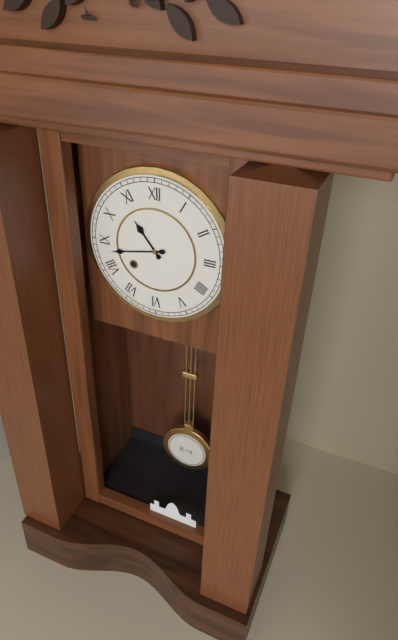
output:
10:43
